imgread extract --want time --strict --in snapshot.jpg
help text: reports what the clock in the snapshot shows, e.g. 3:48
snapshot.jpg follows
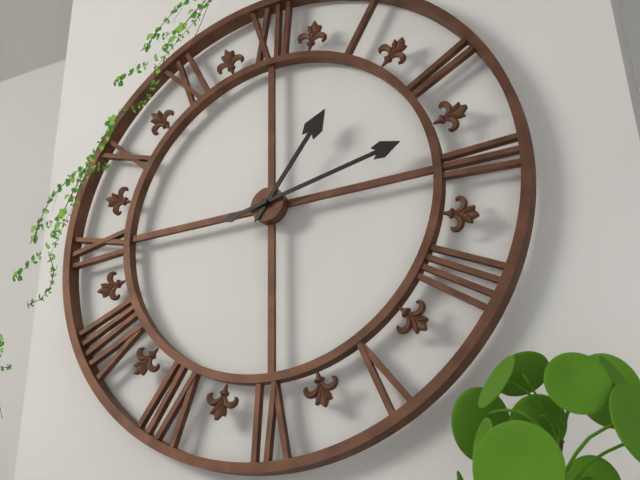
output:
1:13
